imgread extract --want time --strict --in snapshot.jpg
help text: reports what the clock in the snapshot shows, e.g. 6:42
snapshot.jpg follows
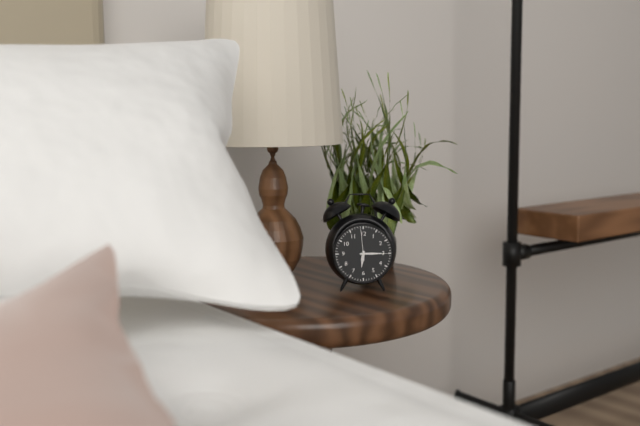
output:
6:15
